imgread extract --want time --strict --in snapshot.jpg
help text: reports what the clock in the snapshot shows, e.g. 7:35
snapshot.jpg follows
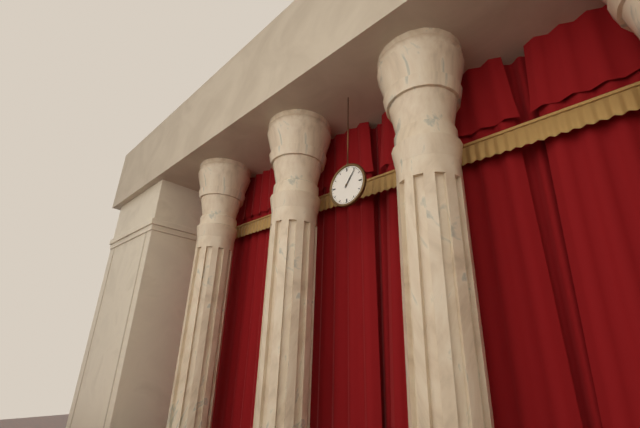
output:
1:06
